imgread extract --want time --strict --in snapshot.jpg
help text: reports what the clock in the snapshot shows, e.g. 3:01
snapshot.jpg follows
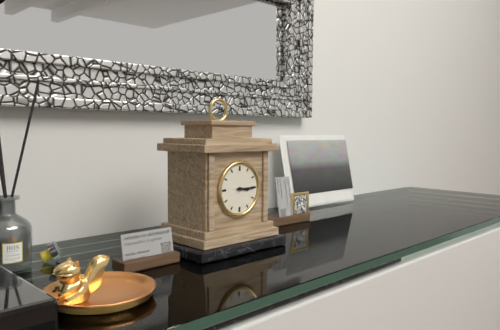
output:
3:15
